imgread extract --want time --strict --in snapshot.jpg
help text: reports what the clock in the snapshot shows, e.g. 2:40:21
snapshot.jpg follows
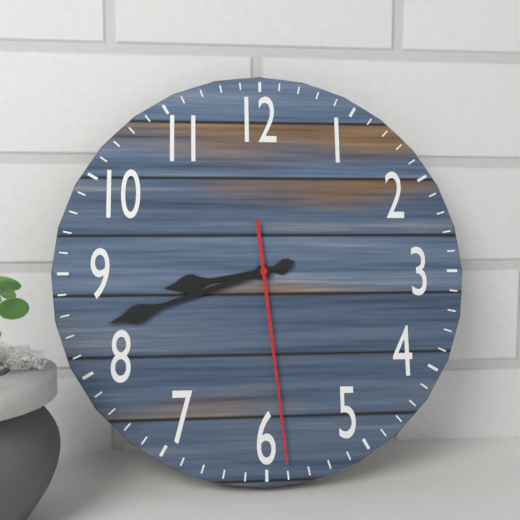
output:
8:42:29
